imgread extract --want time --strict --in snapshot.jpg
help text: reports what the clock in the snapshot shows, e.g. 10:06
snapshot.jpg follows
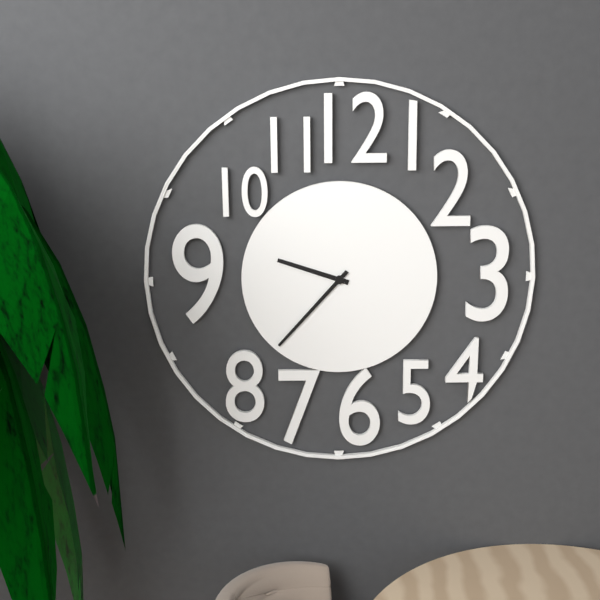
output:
9:37
